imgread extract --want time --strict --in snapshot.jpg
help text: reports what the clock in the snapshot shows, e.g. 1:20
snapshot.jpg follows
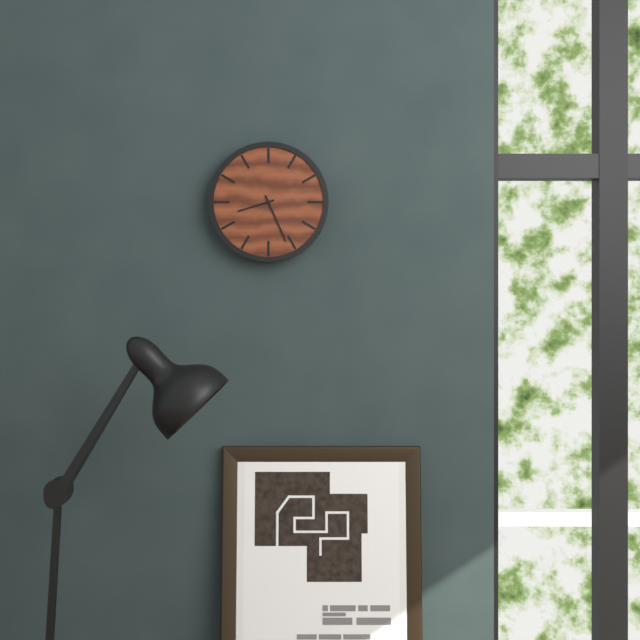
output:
8:26
